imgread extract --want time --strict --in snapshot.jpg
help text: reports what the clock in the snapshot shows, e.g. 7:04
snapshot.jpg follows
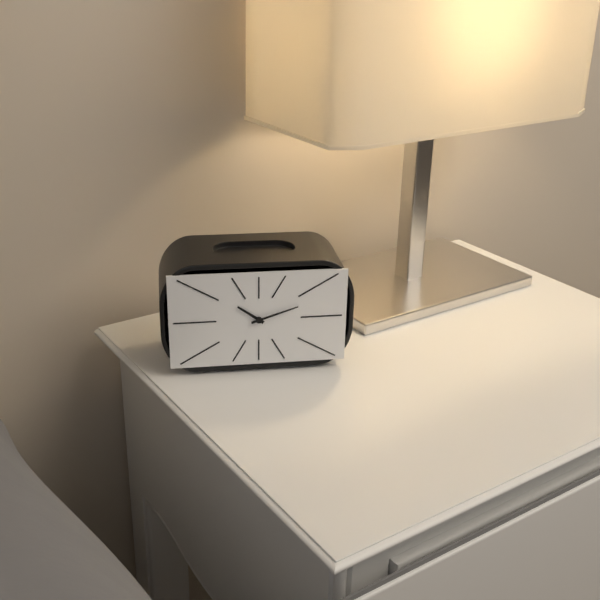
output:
10:12
